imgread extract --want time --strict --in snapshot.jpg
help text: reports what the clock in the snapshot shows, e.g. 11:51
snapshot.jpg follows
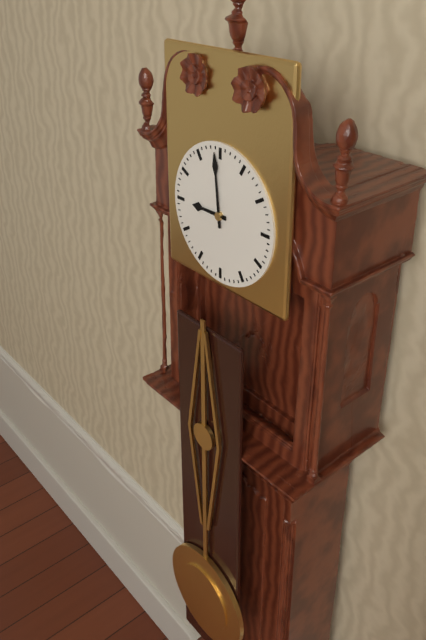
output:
8:59
